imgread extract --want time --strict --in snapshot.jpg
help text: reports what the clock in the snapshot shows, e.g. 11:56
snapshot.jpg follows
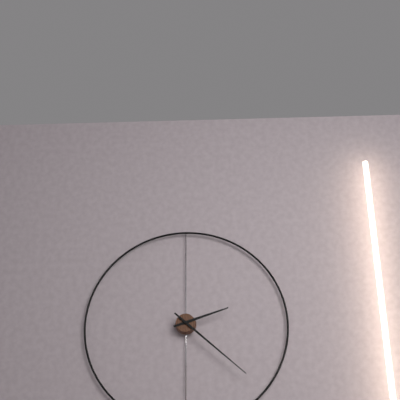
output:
2:22
